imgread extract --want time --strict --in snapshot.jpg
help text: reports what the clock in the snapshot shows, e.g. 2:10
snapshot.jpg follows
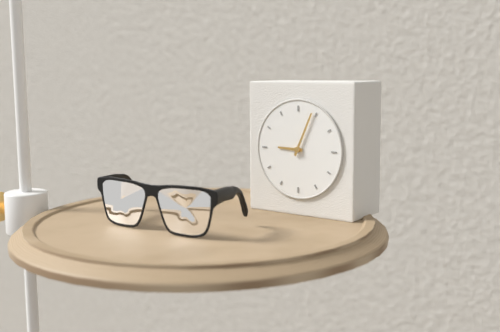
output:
9:04
